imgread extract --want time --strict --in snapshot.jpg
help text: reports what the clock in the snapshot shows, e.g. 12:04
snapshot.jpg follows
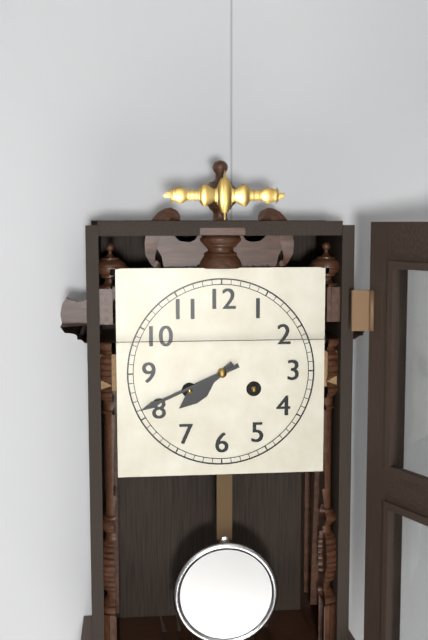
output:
7:41
